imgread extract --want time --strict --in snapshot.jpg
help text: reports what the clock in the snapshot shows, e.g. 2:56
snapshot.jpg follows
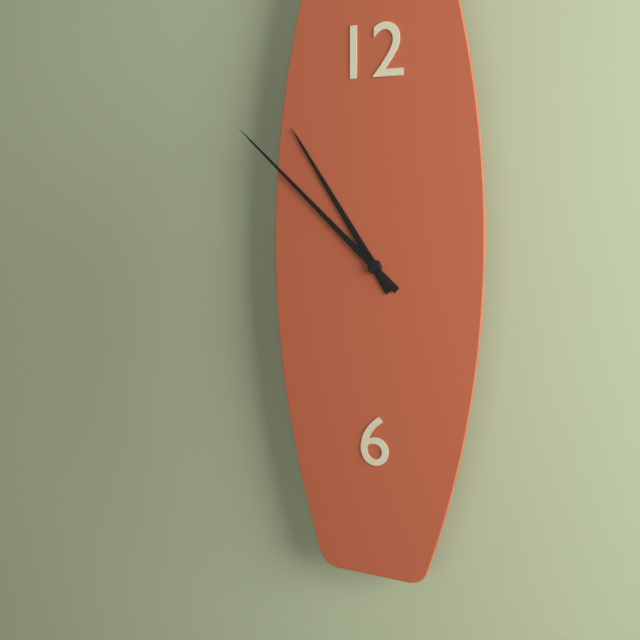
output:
10:52
